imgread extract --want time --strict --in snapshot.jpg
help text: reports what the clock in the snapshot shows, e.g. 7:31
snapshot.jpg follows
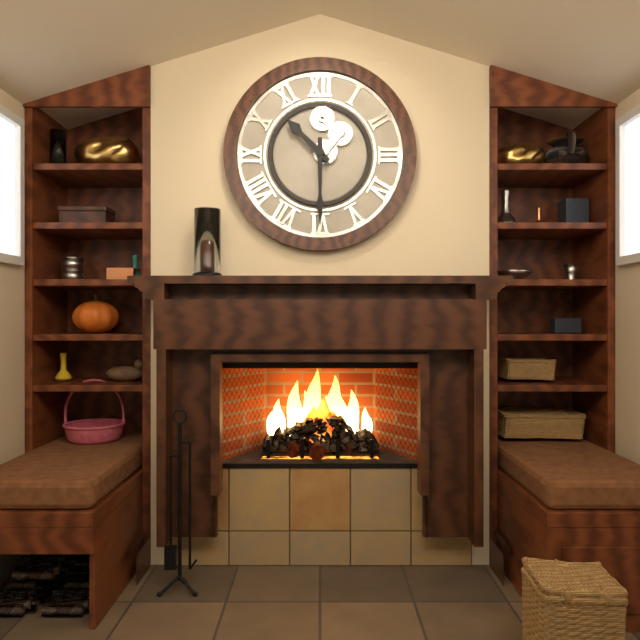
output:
10:30
